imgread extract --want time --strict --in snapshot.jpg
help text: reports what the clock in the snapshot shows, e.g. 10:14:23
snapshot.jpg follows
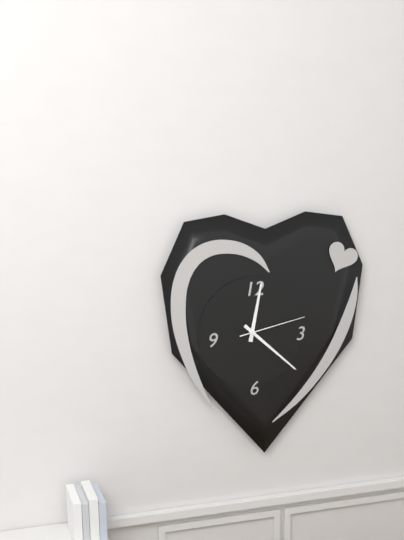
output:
12:22:13
